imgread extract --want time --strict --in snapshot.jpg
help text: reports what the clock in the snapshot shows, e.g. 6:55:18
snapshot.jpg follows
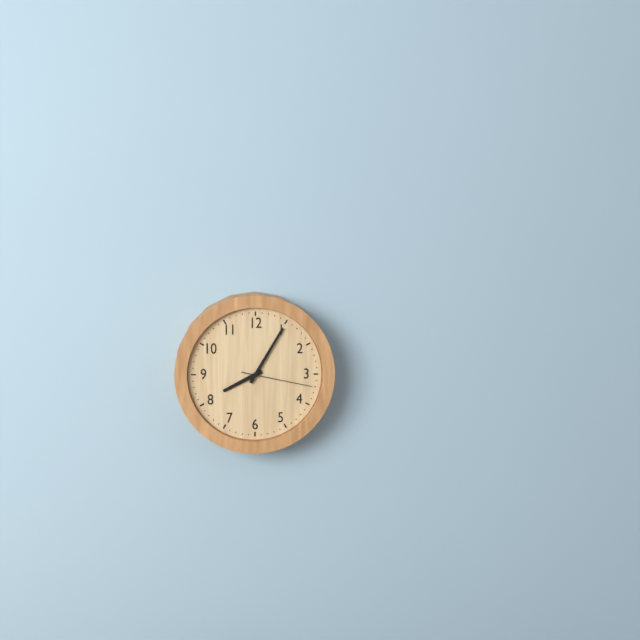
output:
8:05:17
